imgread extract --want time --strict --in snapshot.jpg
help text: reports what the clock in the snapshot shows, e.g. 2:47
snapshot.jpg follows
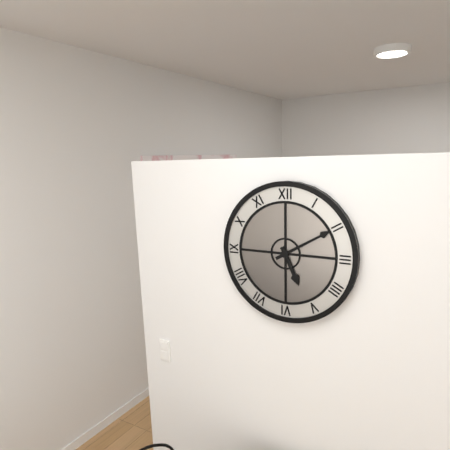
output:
5:10
